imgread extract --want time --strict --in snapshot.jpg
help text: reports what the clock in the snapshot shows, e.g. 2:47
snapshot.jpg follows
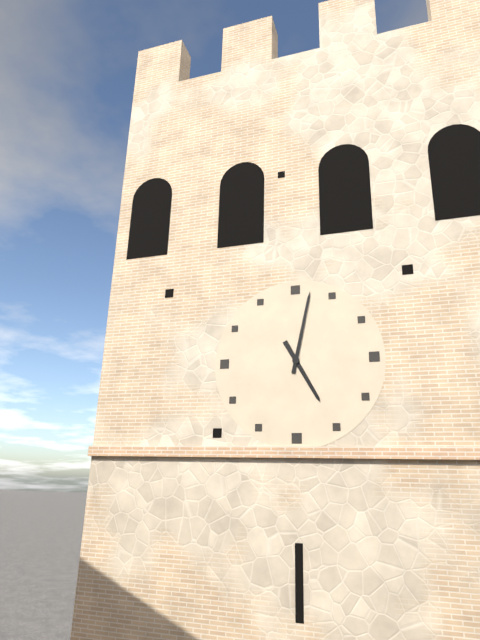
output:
5:02
